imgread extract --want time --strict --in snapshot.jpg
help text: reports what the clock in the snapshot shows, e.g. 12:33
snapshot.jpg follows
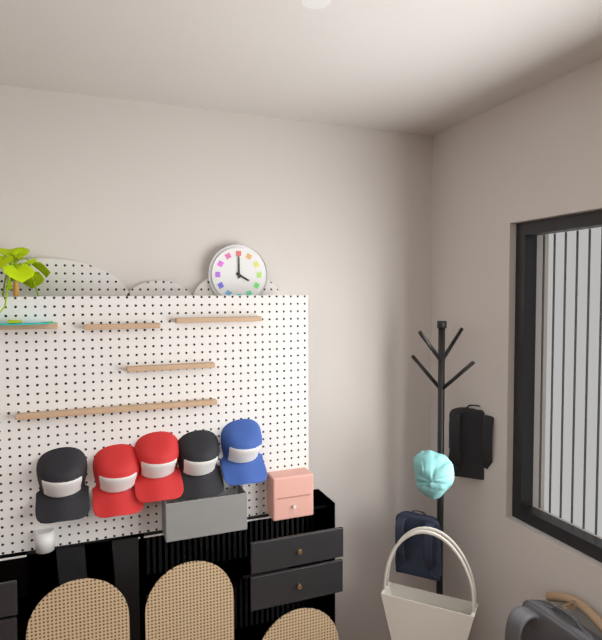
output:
4:00
